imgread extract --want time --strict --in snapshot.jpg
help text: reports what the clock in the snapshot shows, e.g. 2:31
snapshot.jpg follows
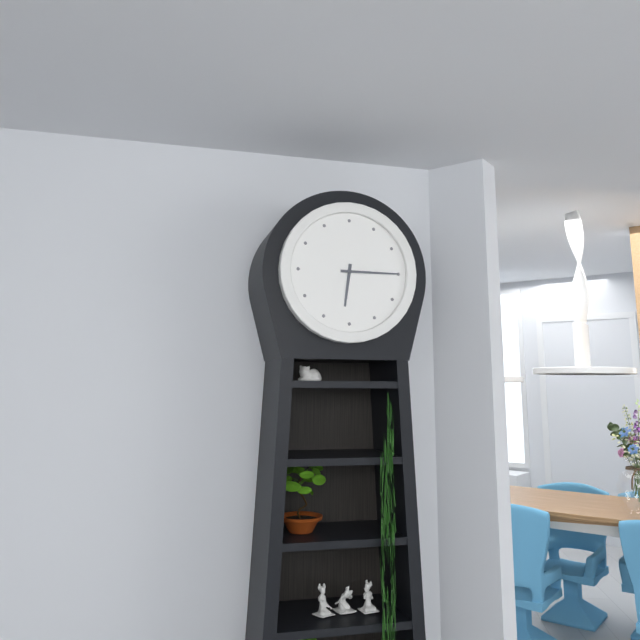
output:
6:15
